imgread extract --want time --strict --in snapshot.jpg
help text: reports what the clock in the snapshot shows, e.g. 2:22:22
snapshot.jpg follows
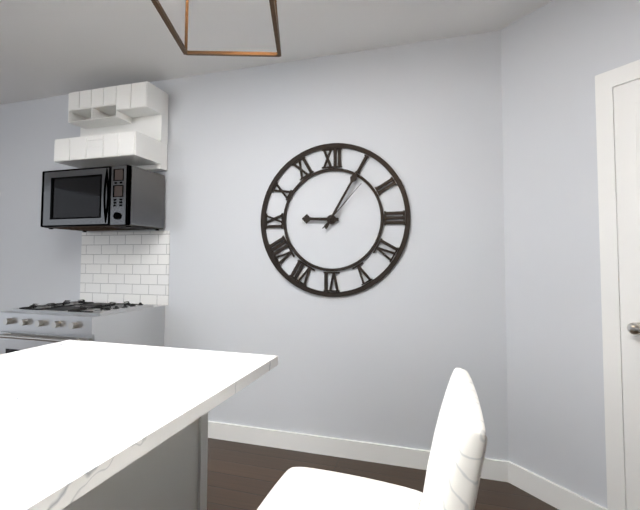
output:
9:05:07
